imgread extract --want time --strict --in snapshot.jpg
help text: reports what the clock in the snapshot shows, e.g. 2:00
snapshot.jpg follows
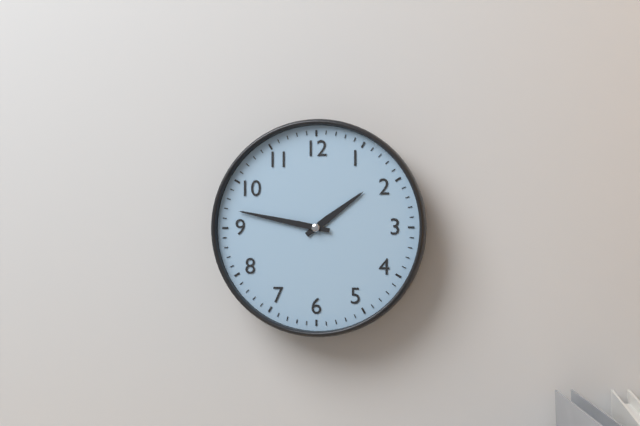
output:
1:47
